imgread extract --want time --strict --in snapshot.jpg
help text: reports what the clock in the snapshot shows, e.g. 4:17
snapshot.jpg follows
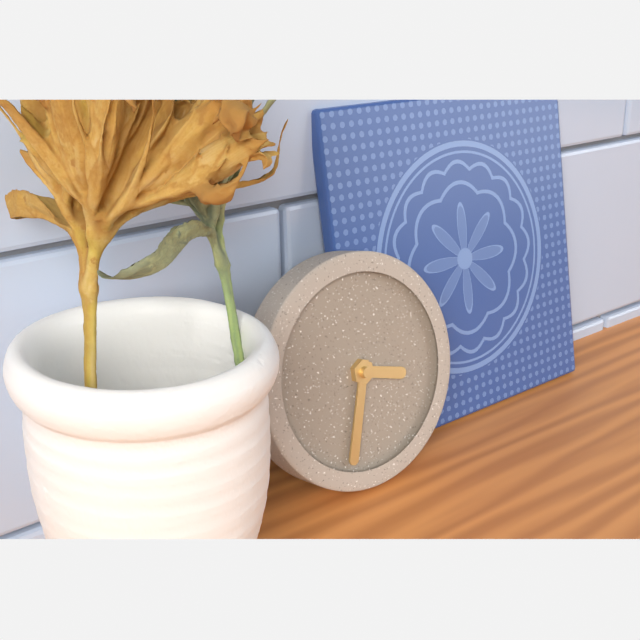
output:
3:33
